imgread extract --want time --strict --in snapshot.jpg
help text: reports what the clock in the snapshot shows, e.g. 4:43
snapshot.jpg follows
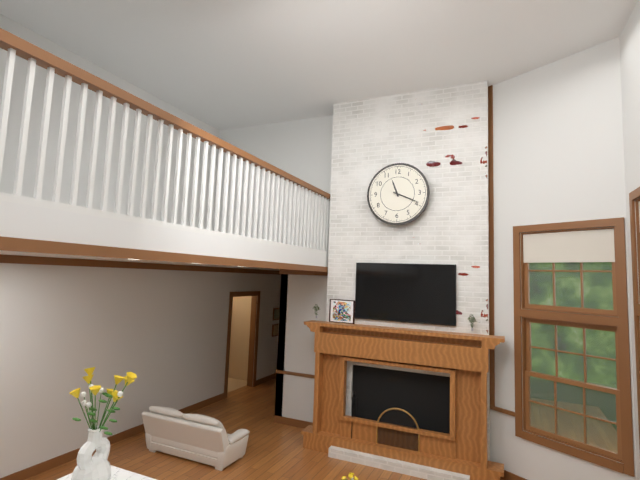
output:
11:19
